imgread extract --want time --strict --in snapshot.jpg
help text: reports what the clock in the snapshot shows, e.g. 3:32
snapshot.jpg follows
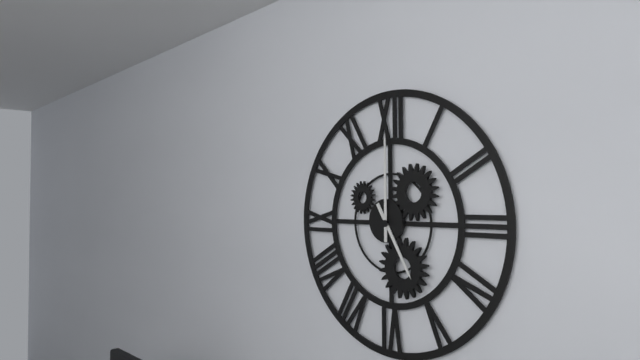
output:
5:00
